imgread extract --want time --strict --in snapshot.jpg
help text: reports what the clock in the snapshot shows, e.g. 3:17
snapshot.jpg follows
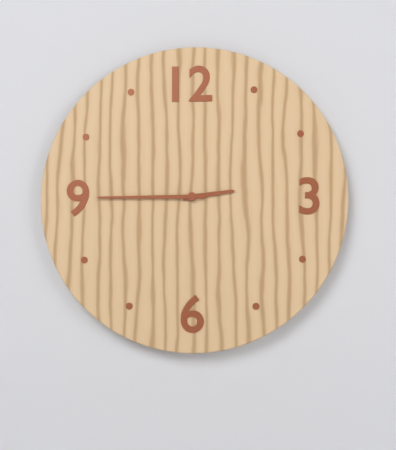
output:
2:45
